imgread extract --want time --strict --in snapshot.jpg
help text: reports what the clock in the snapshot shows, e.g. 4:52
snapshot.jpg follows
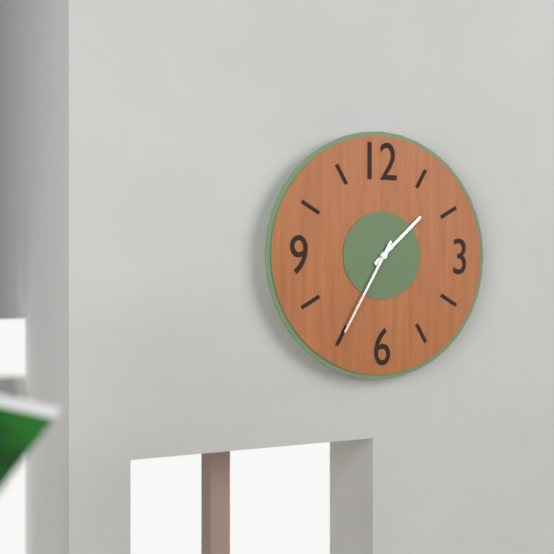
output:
1:35
